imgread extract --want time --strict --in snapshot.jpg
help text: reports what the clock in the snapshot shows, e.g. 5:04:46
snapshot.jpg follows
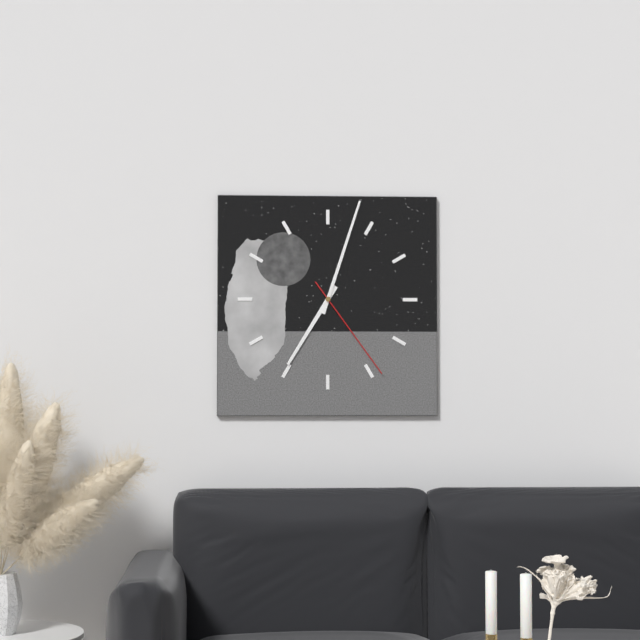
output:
7:03:24
